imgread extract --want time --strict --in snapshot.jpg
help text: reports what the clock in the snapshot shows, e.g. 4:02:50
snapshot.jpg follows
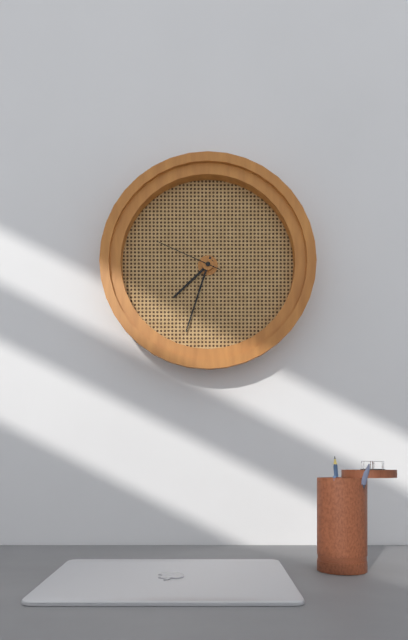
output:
7:33:49
